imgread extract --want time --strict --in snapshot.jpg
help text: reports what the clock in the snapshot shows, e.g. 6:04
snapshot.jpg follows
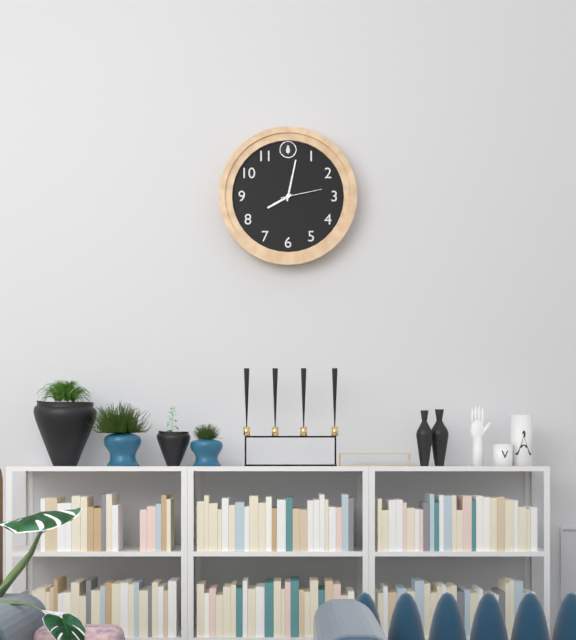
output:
8:02
